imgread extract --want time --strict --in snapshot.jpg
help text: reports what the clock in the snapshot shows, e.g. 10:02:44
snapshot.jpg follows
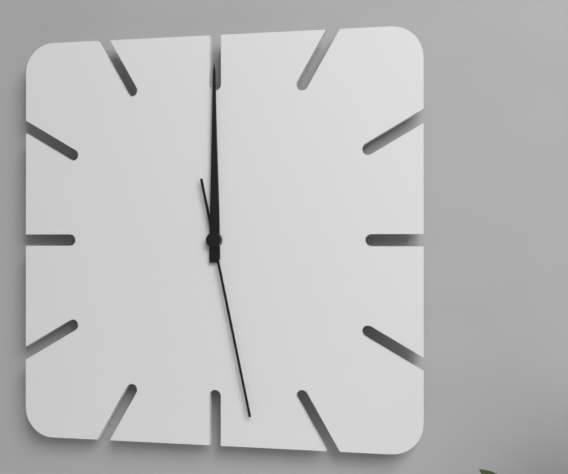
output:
12:00:28
